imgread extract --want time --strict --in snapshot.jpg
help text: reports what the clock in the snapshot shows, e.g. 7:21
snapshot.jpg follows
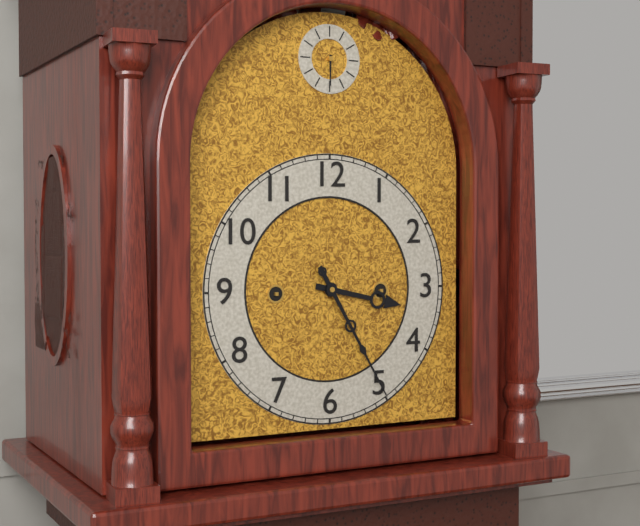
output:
3:25
